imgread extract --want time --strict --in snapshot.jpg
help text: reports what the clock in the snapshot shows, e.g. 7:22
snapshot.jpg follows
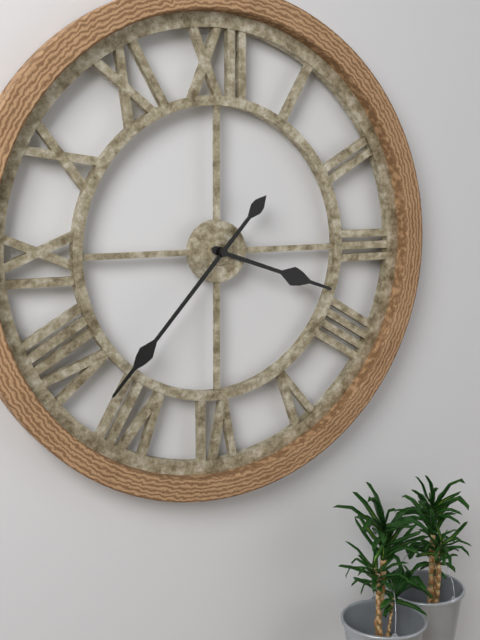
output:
3:37
